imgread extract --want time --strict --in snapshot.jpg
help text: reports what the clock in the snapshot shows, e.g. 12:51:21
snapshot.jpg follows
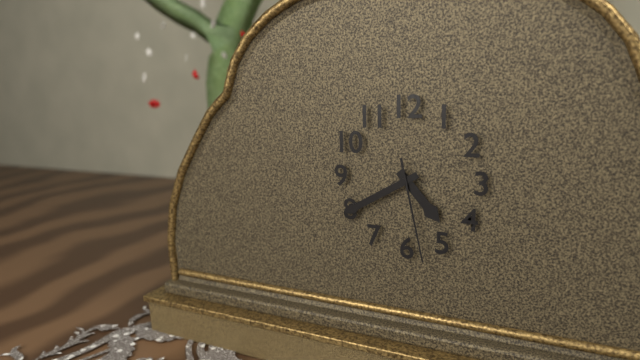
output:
4:40:28
